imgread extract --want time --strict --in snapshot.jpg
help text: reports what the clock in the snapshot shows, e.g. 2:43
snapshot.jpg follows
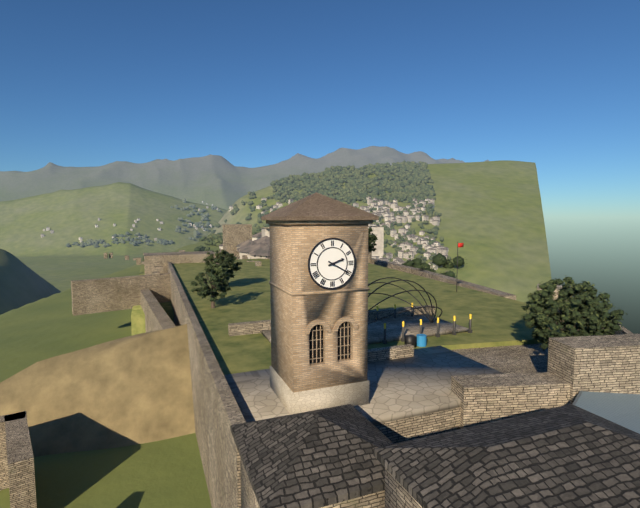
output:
2:20
